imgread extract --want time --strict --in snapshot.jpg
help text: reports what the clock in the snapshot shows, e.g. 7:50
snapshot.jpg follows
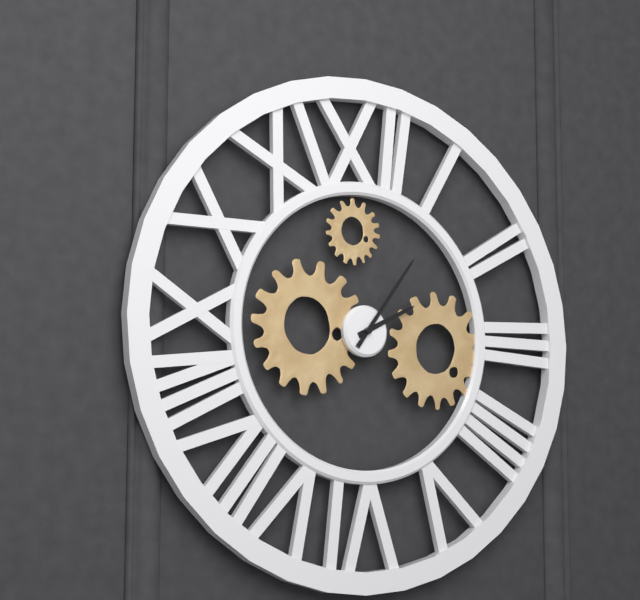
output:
2:06
